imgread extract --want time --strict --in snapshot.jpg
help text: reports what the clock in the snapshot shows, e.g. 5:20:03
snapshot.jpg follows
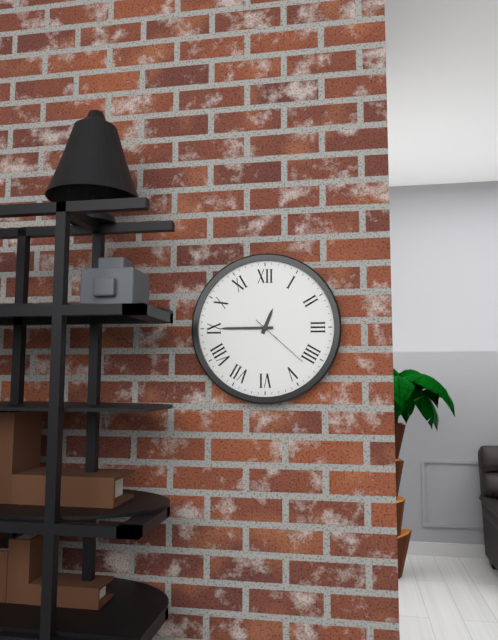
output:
12:45:22
